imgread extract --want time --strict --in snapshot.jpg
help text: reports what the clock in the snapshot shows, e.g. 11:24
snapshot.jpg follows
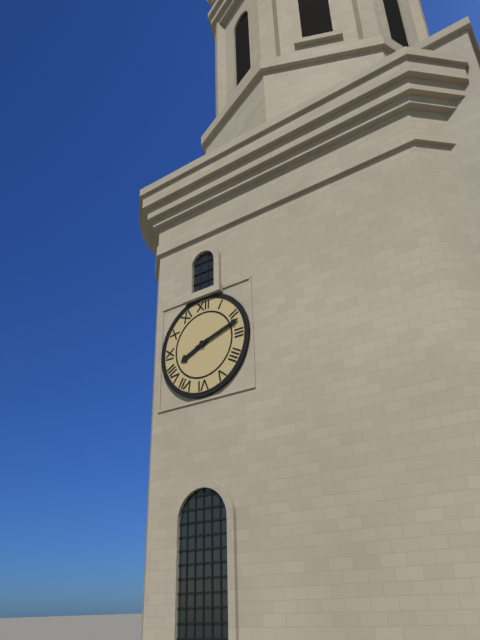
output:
8:12
